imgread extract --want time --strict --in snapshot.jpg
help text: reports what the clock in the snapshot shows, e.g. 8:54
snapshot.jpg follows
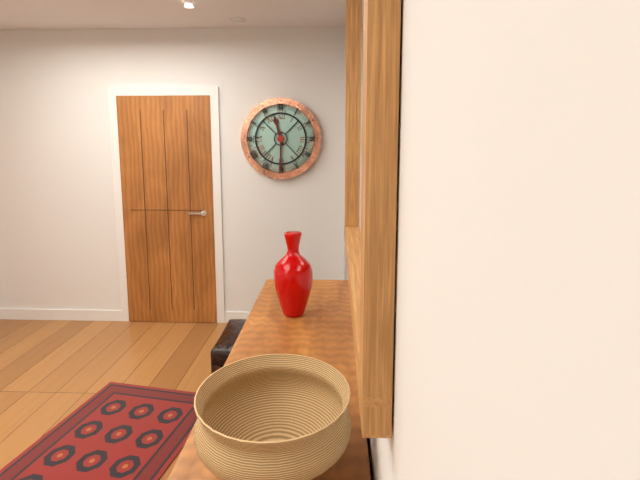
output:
11:30
